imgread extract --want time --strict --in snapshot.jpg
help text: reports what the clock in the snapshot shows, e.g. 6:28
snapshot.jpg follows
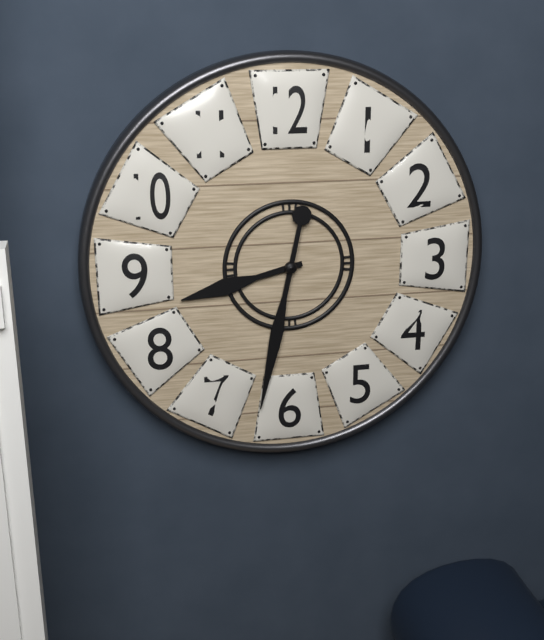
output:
8:32
